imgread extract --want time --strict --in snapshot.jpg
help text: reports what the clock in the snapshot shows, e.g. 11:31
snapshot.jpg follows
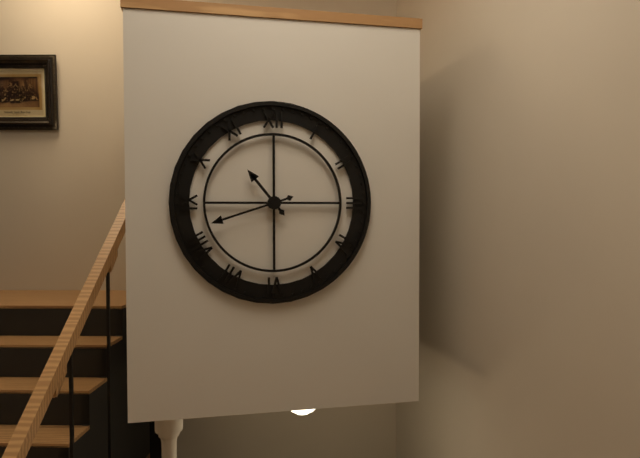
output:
10:42
